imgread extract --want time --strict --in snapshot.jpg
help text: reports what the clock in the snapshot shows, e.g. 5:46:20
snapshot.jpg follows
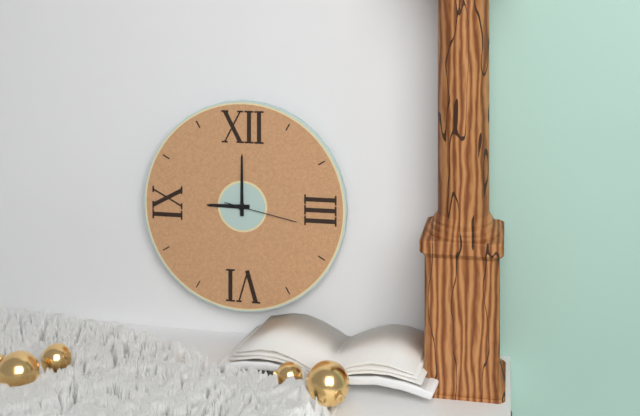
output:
9:00:17
